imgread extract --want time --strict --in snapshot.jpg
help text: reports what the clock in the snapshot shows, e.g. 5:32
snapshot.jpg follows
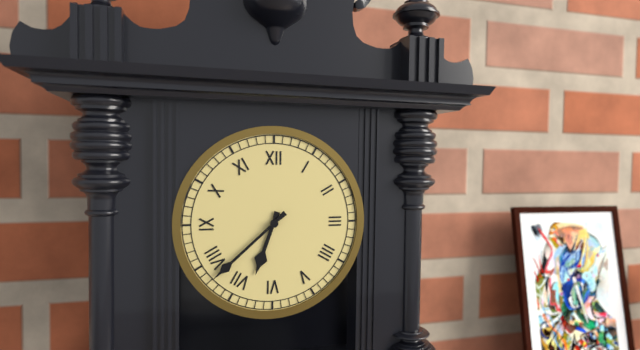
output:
6:38
